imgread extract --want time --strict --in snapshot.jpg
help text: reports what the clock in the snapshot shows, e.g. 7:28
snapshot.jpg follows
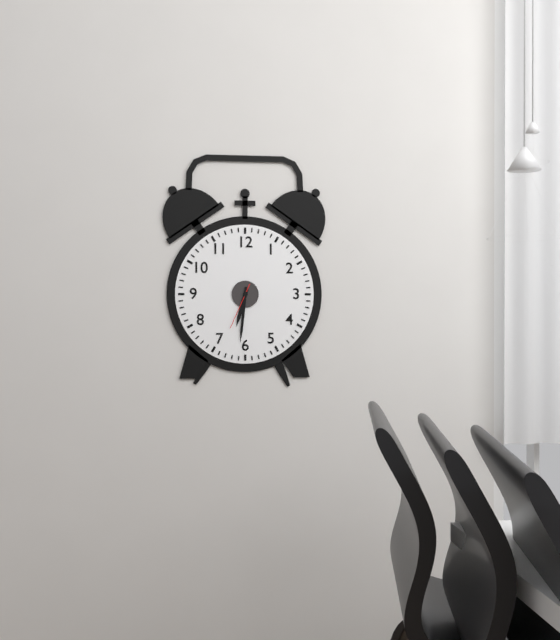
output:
6:31
